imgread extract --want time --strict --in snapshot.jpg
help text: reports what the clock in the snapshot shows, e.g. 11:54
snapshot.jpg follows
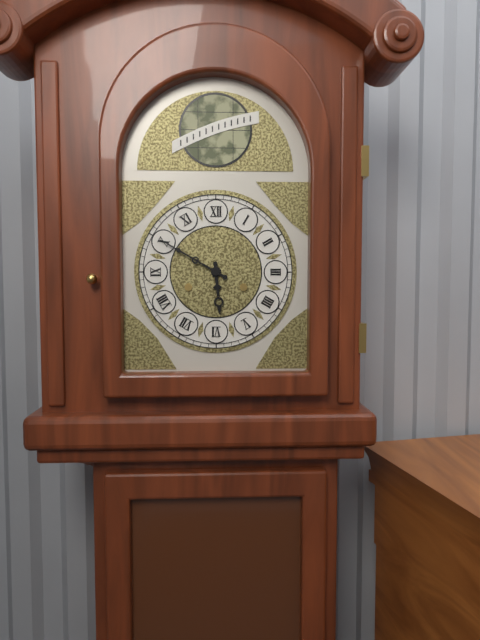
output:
5:50
